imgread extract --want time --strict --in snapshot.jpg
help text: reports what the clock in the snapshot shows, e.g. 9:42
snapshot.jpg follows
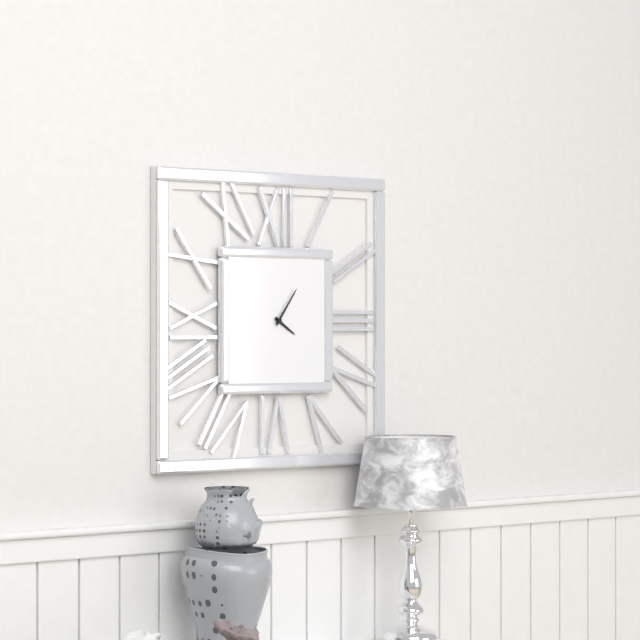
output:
4:06
